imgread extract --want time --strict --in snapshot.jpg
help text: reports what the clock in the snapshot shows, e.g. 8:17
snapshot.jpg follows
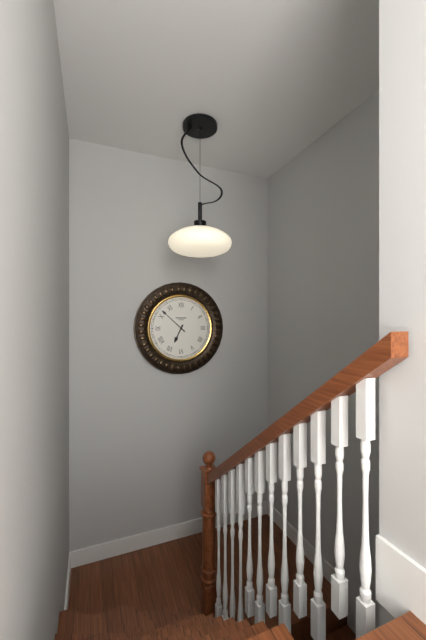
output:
6:52
